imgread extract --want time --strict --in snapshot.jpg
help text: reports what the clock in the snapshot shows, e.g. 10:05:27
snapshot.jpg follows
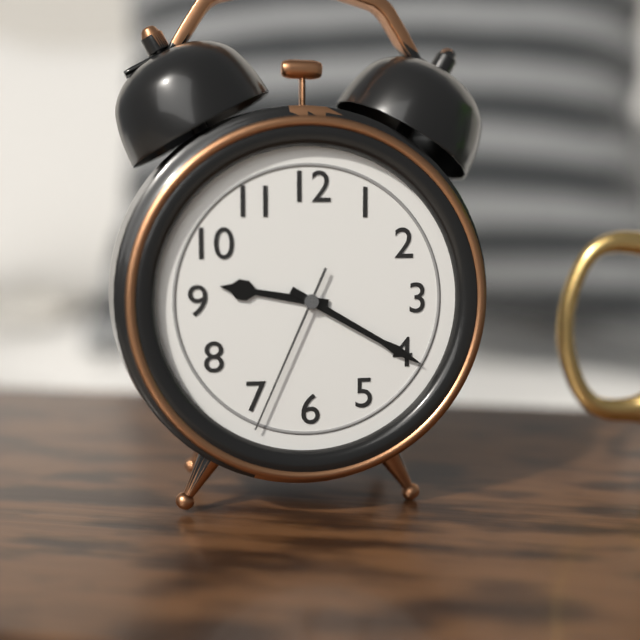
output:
9:20:34
